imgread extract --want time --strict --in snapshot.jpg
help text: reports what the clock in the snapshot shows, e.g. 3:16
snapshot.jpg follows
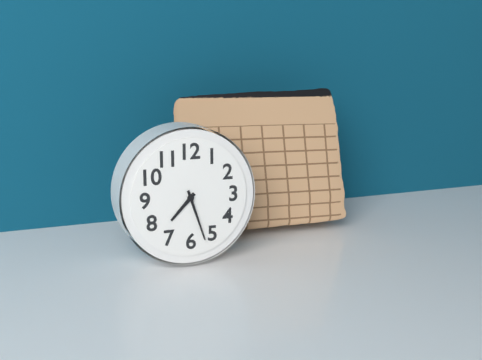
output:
7:27
